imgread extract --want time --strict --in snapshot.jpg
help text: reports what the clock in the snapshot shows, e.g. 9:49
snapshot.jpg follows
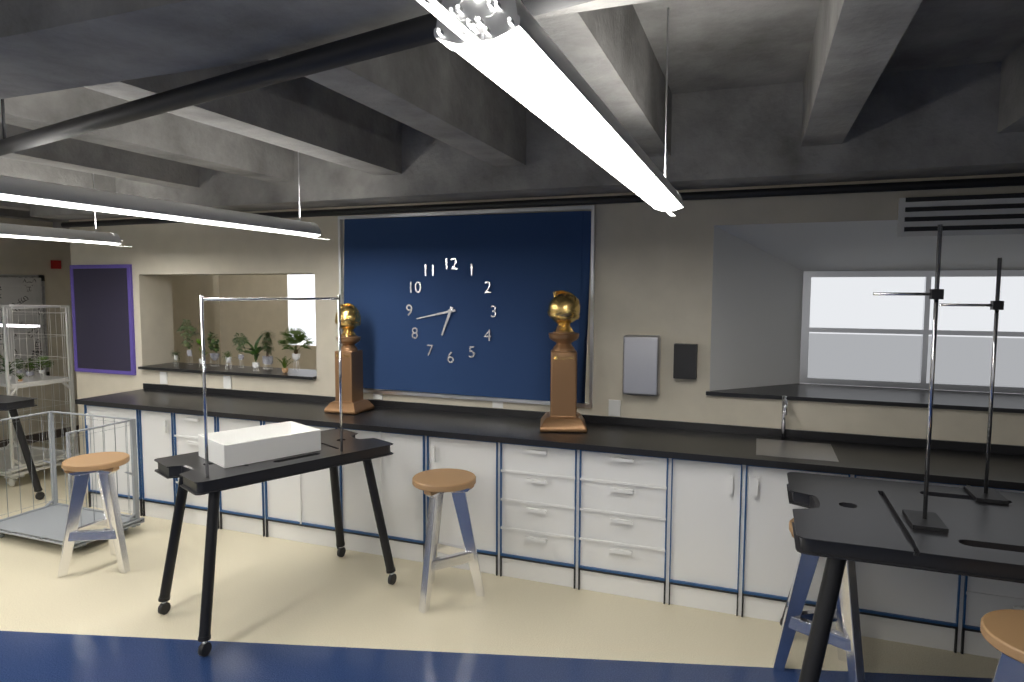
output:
6:43
